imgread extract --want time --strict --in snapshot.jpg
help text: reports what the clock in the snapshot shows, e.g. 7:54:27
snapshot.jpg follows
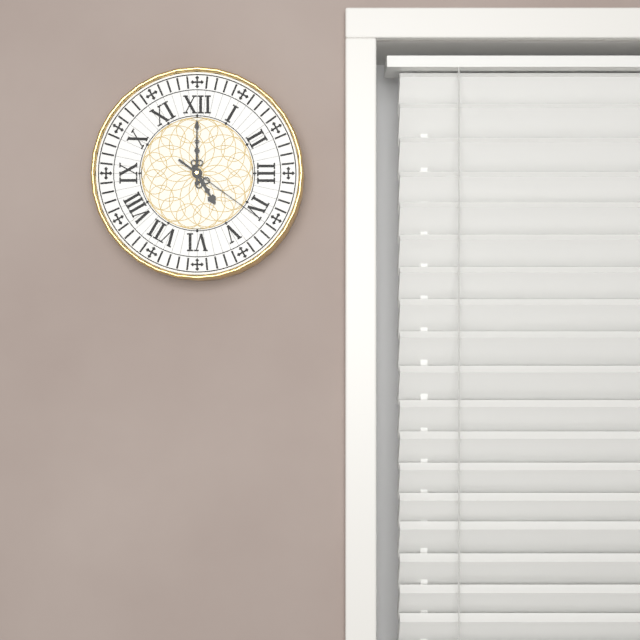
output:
5:00:21
